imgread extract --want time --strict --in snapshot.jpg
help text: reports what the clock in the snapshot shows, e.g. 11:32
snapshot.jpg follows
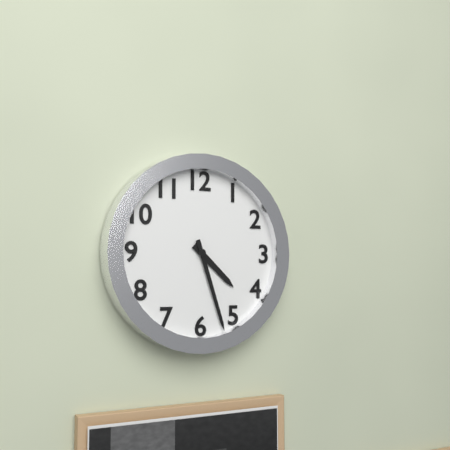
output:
4:27
